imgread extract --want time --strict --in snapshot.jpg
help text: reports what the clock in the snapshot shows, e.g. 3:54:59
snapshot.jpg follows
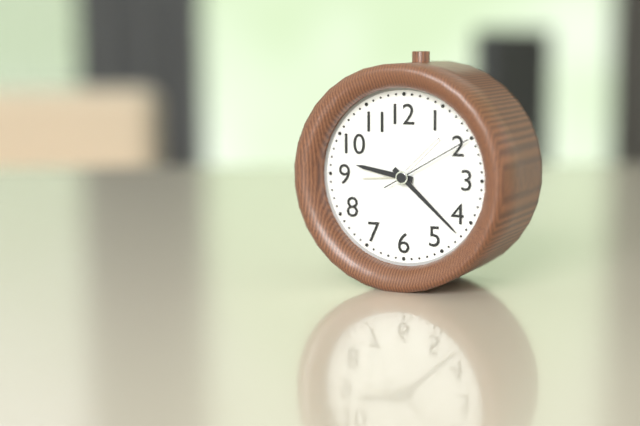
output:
9:22:10
